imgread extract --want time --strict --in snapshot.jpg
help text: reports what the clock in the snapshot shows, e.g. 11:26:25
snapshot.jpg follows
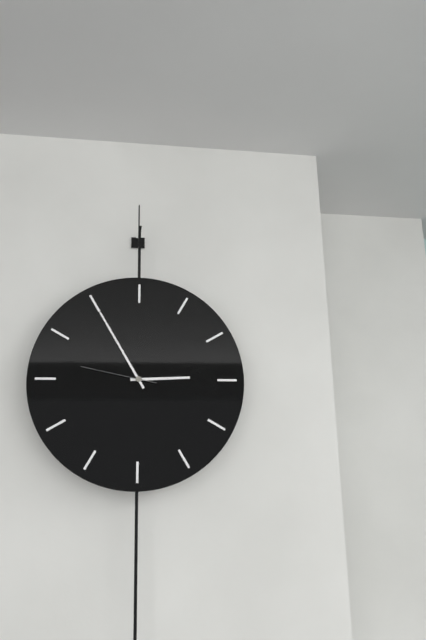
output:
2:55:47
